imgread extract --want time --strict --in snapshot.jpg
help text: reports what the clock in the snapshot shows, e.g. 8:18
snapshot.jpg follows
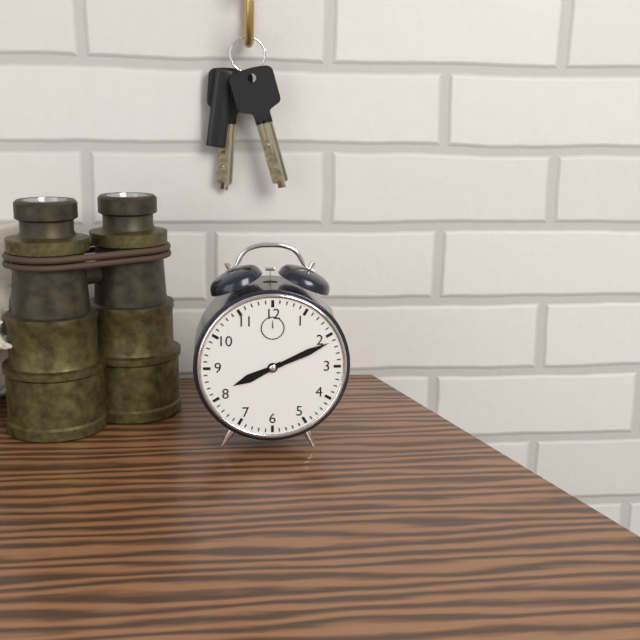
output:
8:11
